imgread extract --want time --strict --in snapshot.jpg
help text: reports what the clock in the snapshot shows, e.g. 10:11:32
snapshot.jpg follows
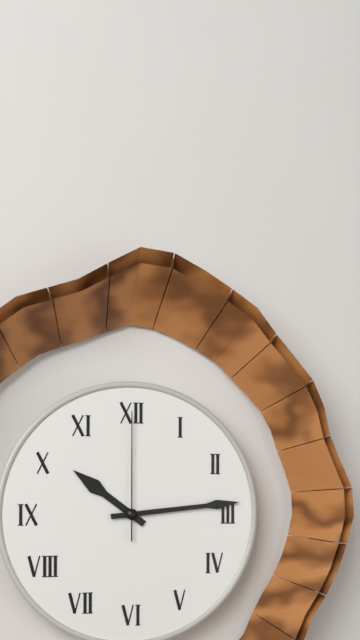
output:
10:14:00
